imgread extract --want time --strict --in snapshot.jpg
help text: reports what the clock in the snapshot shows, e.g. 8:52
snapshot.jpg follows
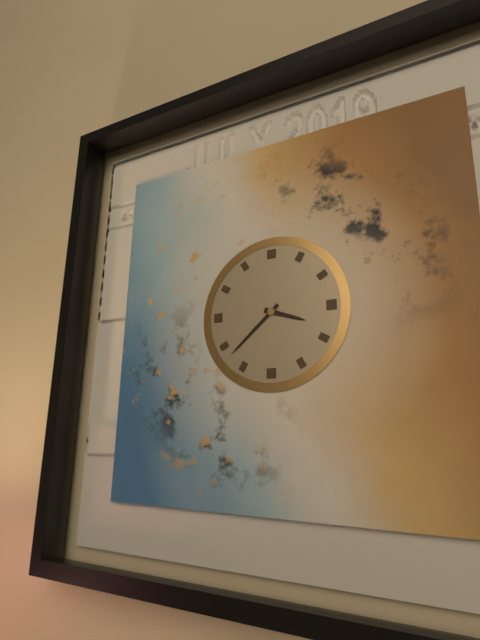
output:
3:38
